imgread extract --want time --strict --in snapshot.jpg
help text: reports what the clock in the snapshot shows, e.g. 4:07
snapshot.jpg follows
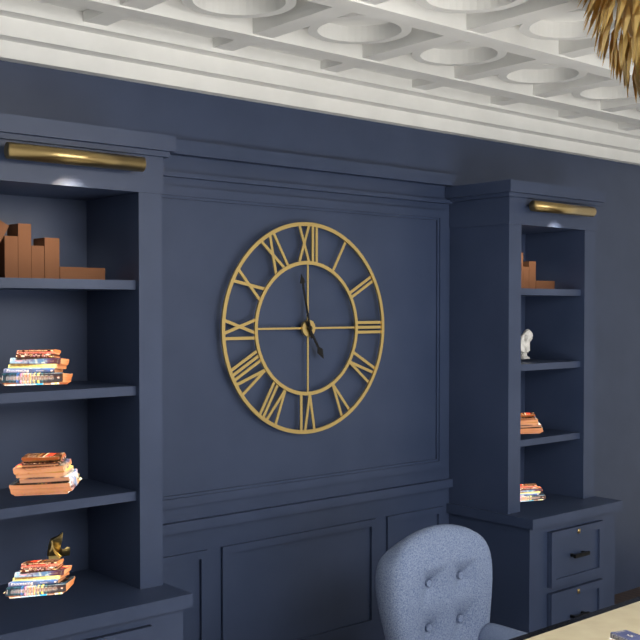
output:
4:58
